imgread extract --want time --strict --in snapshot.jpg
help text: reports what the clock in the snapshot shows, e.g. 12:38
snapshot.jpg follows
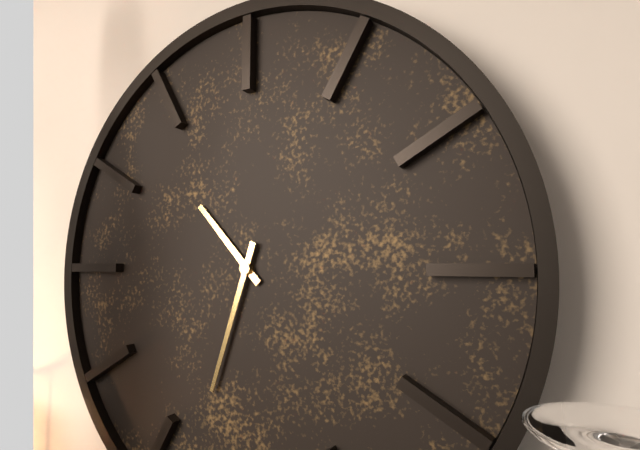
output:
10:33
